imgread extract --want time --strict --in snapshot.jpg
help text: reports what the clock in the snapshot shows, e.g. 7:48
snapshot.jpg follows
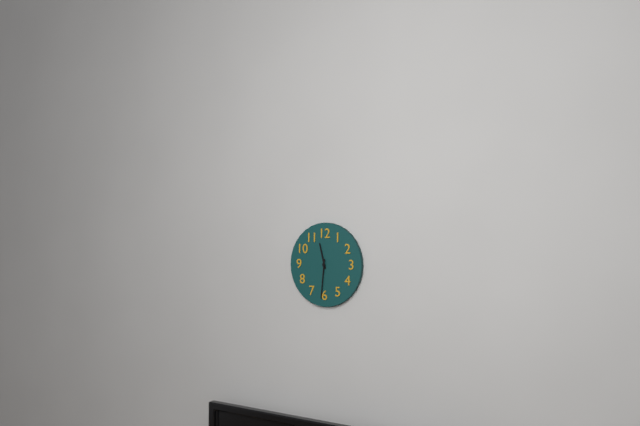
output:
11:31
